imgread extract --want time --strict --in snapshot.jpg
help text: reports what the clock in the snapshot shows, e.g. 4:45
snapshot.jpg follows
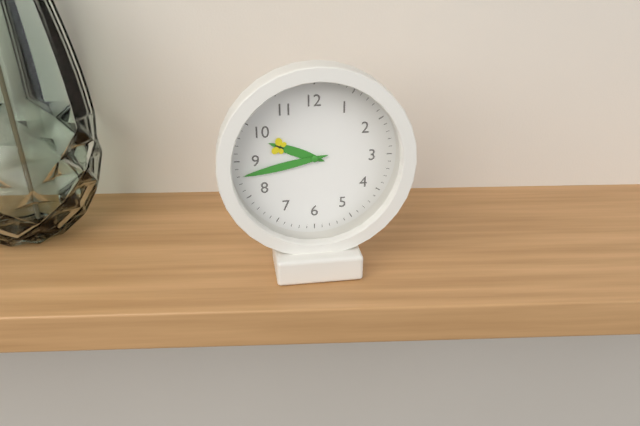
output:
9:43
